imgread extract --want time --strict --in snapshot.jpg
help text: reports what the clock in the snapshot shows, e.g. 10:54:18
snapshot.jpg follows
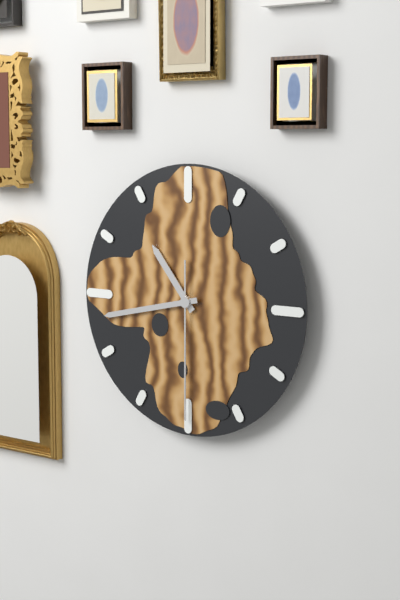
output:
10:43:30
